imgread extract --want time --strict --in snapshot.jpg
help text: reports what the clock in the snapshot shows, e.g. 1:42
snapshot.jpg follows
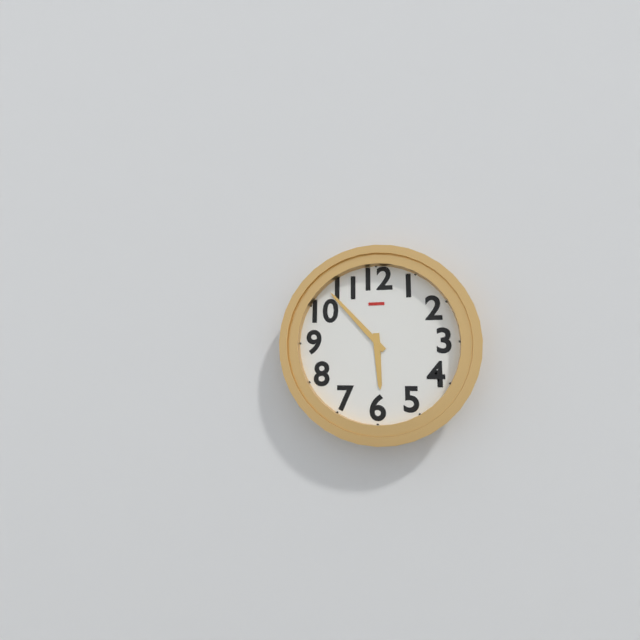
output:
5:53
